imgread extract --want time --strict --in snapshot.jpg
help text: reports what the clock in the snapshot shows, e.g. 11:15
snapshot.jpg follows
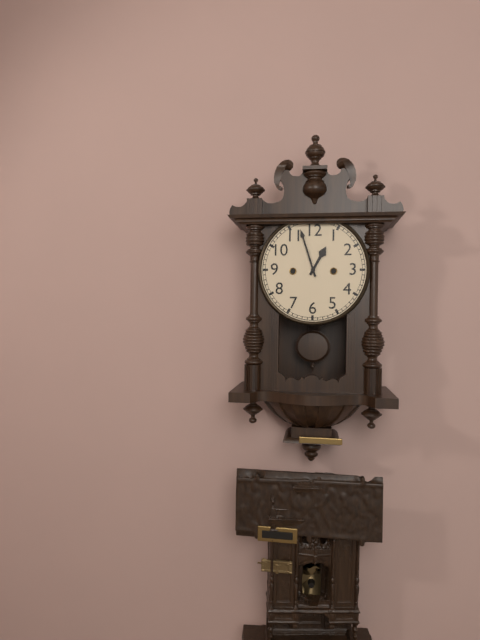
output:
12:57
